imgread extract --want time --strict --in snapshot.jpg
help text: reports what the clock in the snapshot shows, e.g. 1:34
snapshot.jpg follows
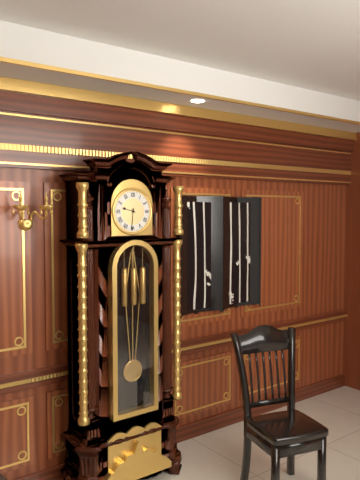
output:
9:31
